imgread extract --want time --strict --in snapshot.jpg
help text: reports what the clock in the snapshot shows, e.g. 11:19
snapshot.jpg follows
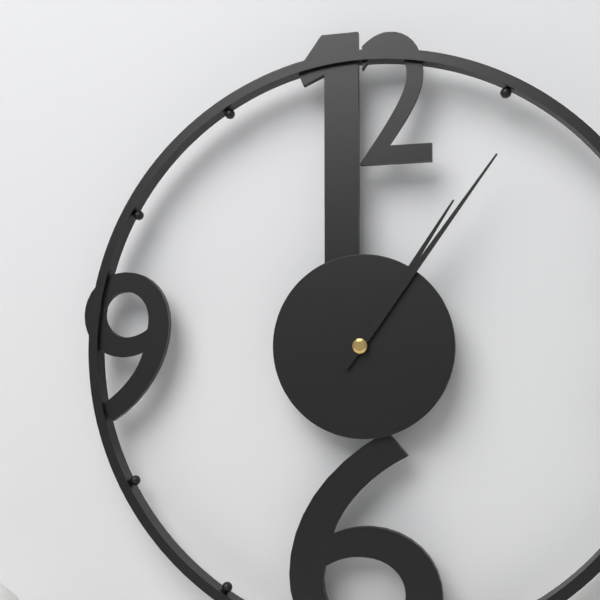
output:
1:06
